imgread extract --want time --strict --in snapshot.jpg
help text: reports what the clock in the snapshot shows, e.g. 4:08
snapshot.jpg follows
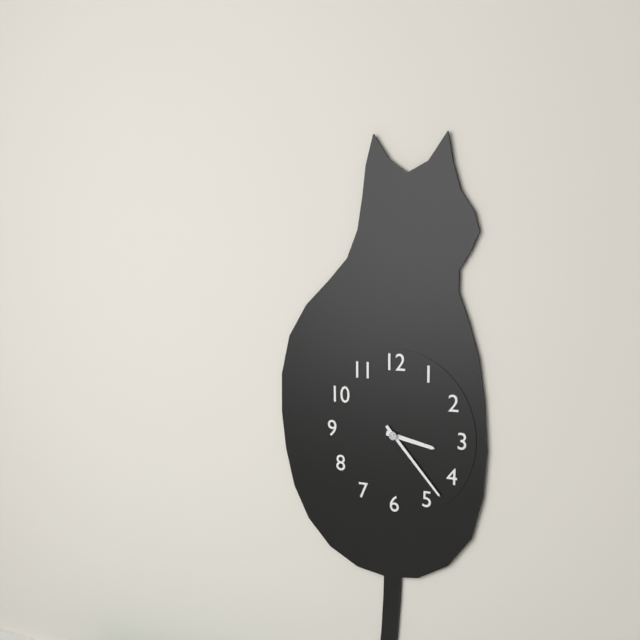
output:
3:23
